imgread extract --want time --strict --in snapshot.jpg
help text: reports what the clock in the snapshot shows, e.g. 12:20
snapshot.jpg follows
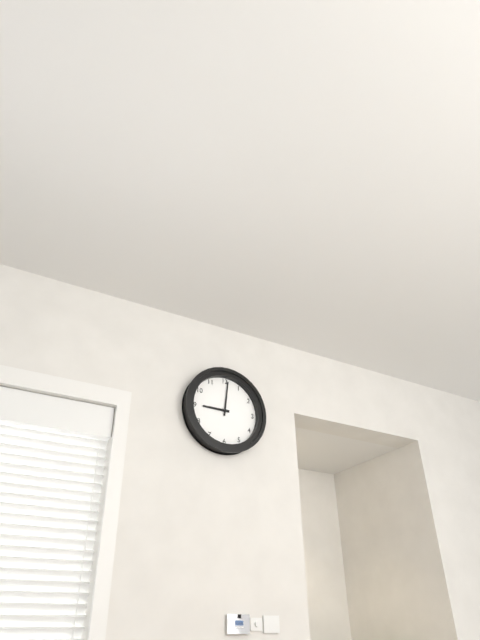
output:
9:01
